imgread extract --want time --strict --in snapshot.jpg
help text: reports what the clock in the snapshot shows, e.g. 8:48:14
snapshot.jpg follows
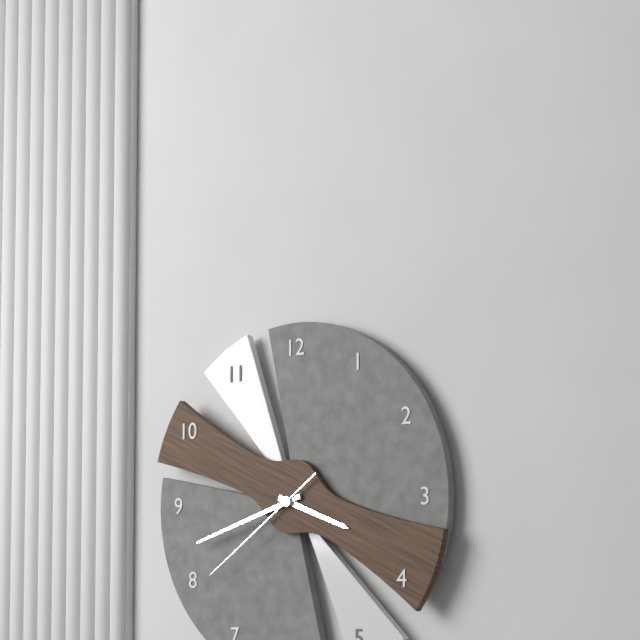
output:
3:42:39
